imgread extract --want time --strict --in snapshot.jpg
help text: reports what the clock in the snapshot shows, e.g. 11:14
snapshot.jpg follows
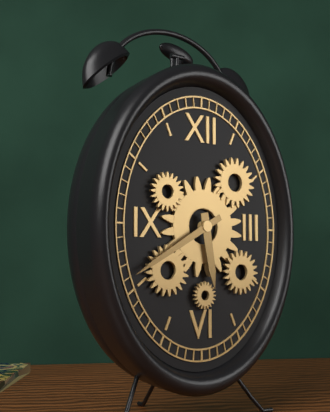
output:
5:40
